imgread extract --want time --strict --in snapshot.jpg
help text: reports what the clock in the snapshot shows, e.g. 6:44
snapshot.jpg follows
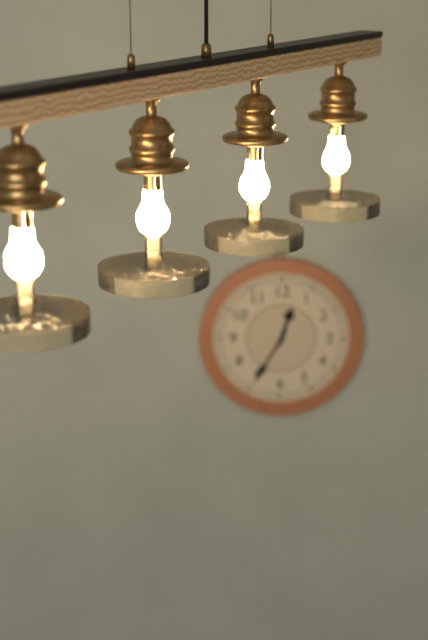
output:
12:35
